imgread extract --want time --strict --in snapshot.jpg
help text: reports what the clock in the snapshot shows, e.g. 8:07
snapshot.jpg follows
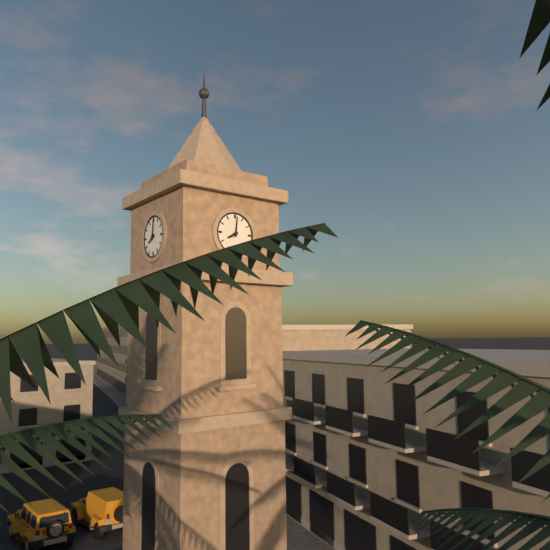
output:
8:01
